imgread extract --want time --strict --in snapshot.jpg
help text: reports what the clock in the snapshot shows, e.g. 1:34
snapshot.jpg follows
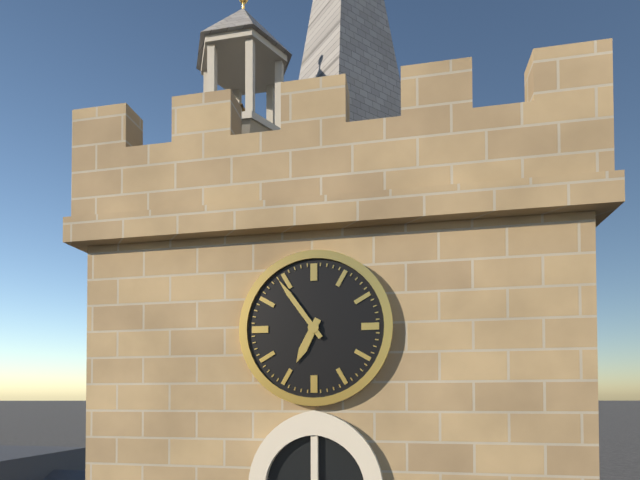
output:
6:54
